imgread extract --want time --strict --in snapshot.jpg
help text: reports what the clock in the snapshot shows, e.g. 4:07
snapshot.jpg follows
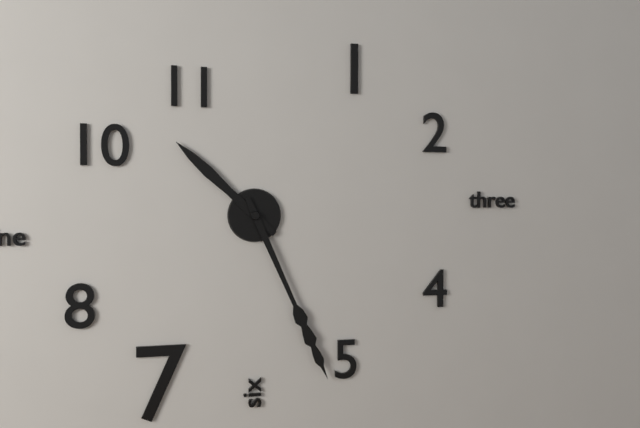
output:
10:26
